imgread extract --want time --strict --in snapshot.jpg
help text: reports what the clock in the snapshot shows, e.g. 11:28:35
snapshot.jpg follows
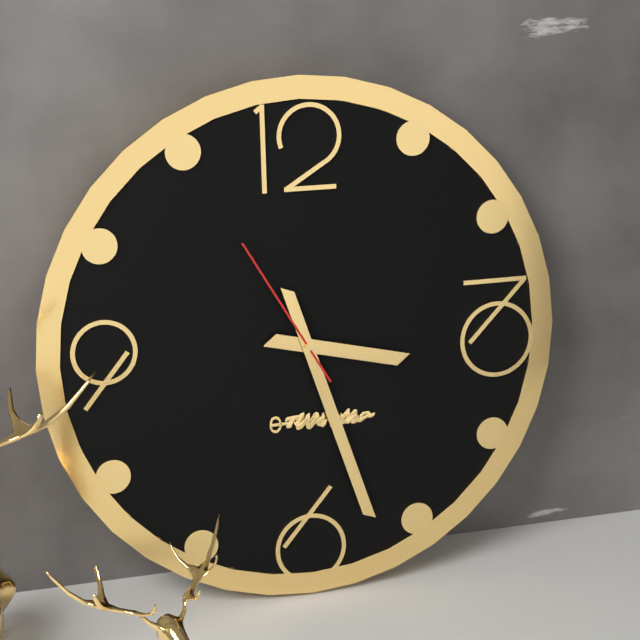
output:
3:27:55
